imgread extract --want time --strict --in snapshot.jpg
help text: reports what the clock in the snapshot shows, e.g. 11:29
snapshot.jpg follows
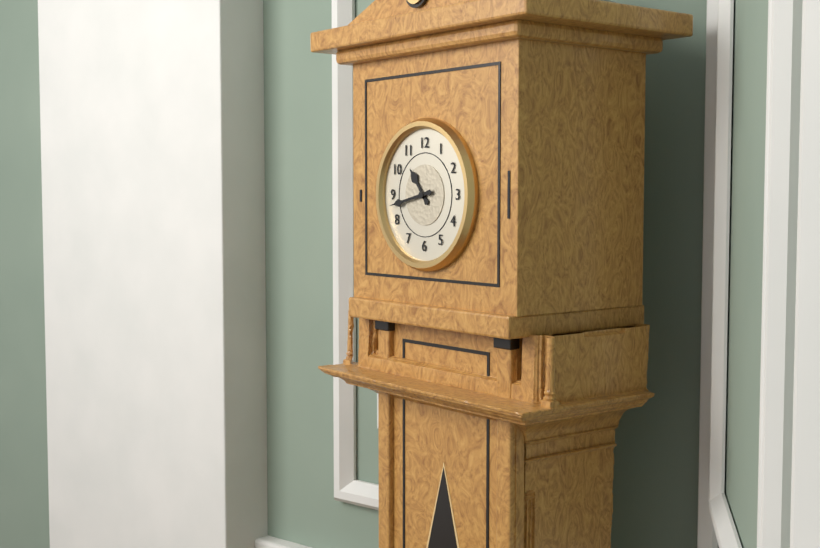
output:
10:43
